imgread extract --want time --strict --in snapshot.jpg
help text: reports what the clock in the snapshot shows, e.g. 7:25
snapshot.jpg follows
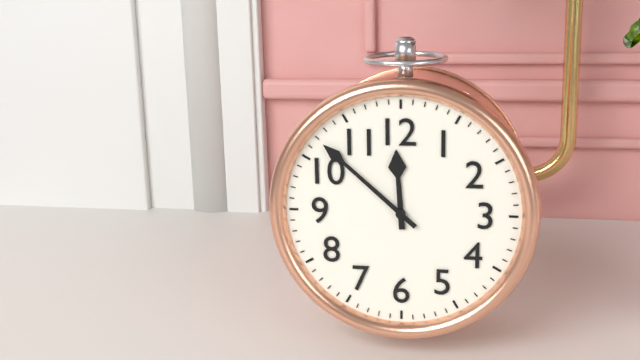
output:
11:52
